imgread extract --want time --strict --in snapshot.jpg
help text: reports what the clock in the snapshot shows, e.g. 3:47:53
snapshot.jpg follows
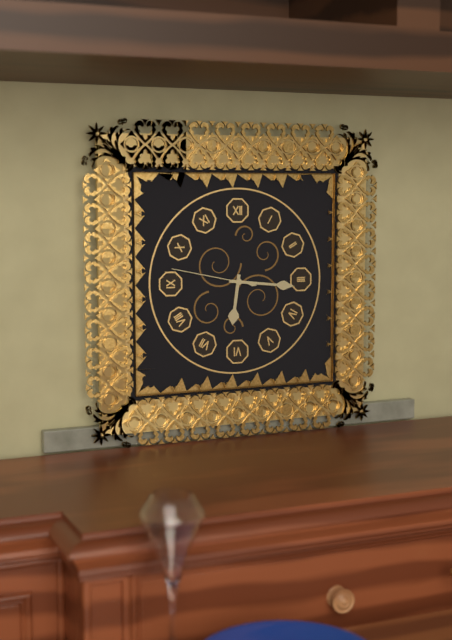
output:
6:16:47
